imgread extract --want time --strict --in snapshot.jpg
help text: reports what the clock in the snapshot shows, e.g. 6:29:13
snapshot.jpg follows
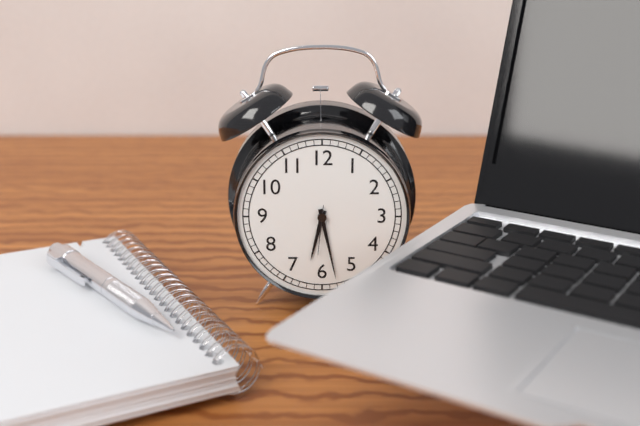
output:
6:28:31
